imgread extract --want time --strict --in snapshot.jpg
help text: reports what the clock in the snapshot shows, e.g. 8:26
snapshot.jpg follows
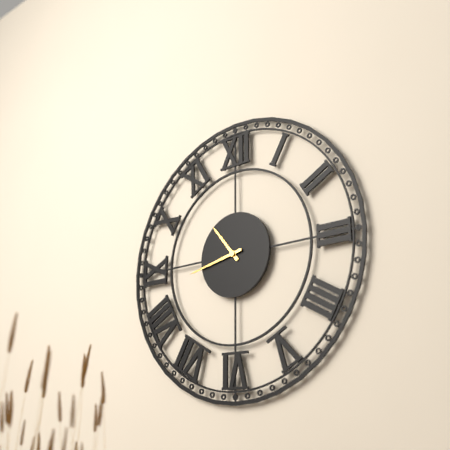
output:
10:43
